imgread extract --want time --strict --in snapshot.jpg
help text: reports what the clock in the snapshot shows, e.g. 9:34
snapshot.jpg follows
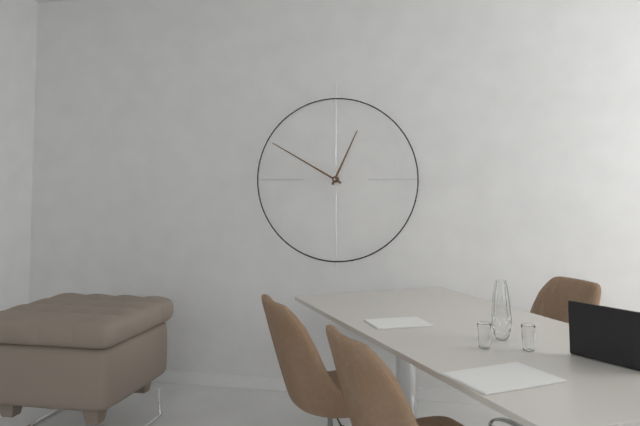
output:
12:50
